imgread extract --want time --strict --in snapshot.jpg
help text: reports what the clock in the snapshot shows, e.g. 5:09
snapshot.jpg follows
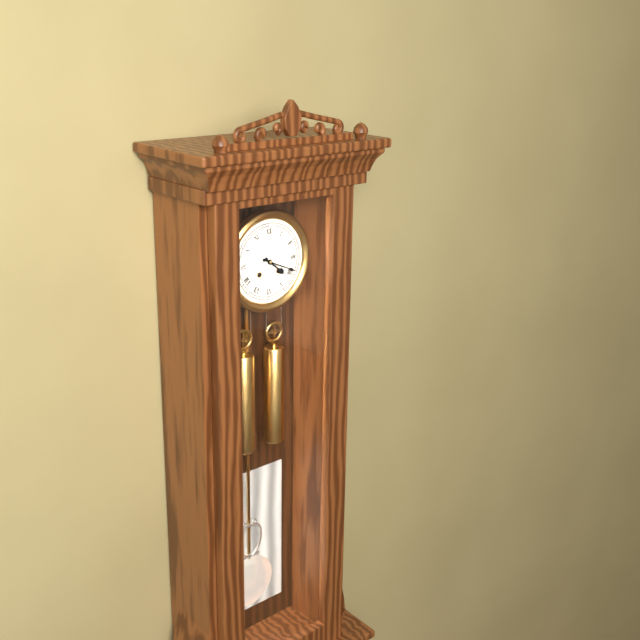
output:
4:19
